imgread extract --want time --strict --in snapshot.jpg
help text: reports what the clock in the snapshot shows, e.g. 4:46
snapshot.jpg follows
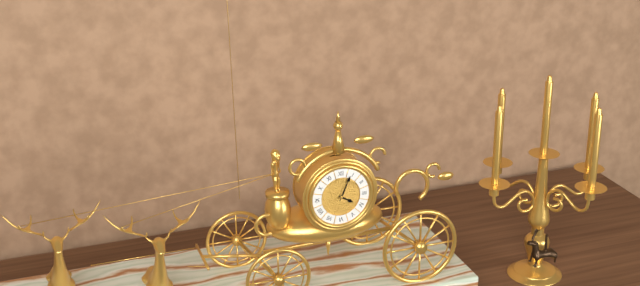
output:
4:04
